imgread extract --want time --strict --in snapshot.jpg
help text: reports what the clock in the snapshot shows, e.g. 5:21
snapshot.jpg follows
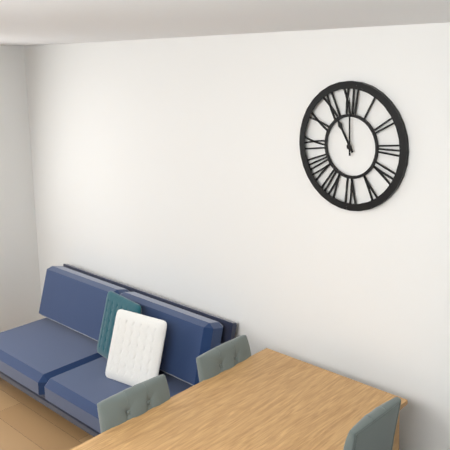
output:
11:00
